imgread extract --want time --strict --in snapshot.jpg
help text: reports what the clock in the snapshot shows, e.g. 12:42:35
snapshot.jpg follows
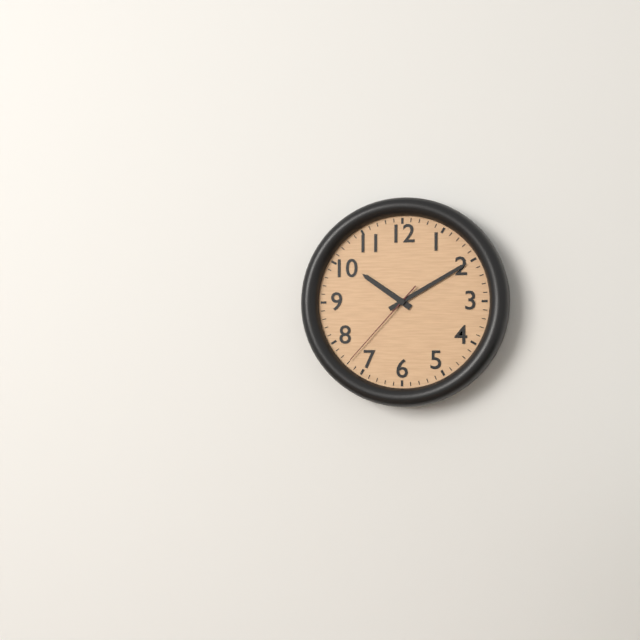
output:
10:10:37
